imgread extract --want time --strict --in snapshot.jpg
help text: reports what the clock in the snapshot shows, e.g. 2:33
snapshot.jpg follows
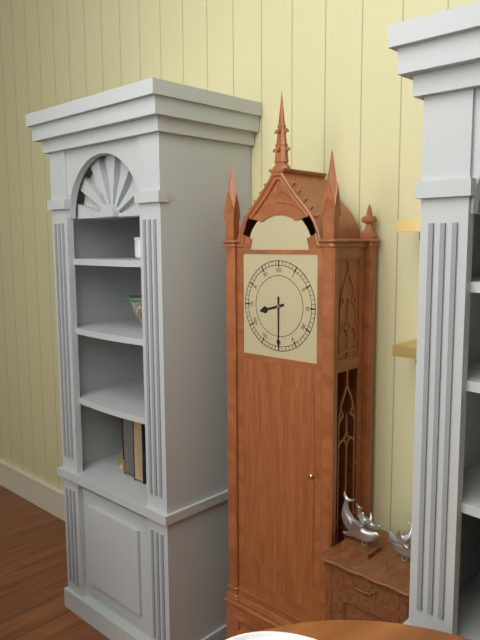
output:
8:30
